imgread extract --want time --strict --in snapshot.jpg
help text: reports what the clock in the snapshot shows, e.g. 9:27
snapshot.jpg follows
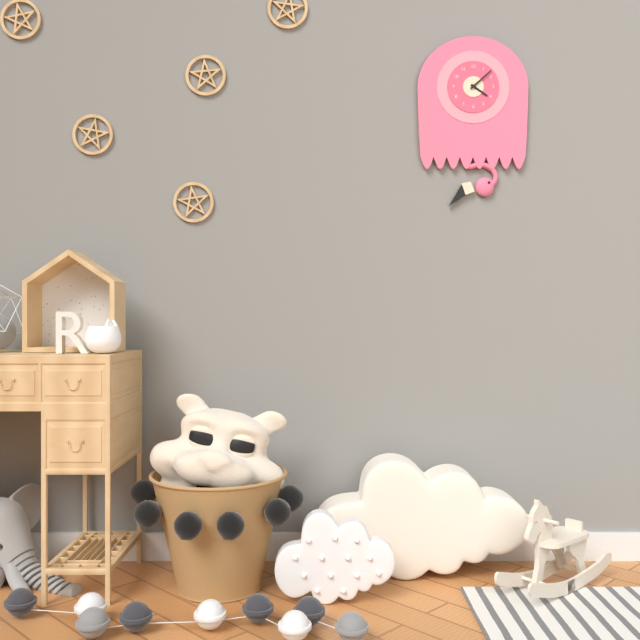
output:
4:08
